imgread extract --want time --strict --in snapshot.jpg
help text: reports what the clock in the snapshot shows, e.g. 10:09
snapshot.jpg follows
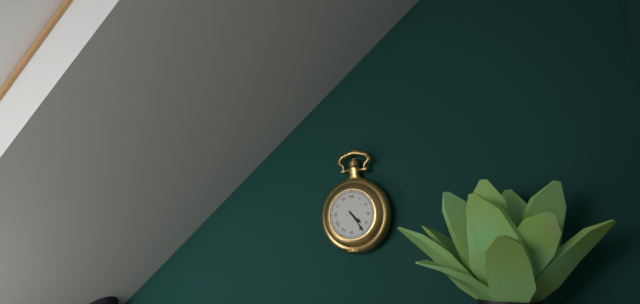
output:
4:24
